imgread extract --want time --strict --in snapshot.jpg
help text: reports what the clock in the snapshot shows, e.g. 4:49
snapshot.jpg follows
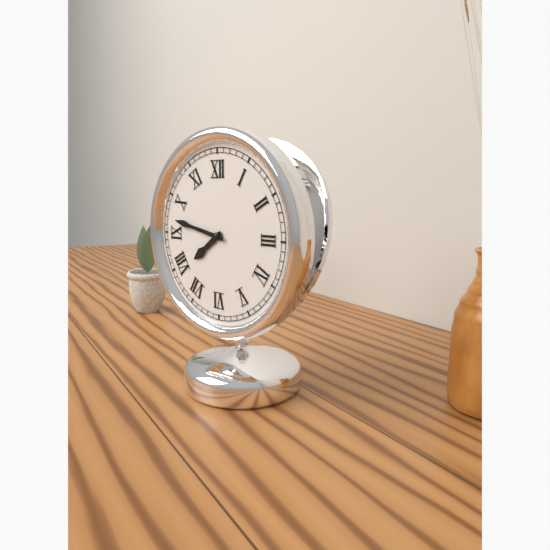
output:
7:47
